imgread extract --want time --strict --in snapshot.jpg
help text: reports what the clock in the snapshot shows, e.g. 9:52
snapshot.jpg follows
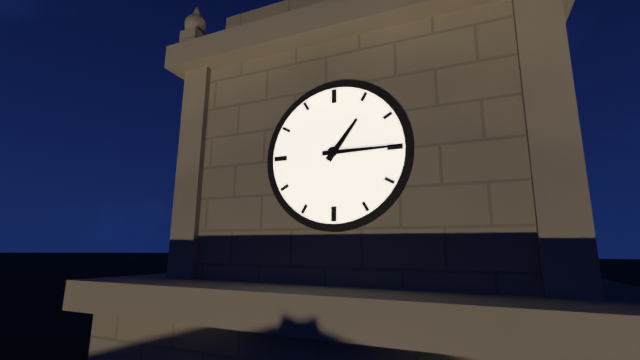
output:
1:15
